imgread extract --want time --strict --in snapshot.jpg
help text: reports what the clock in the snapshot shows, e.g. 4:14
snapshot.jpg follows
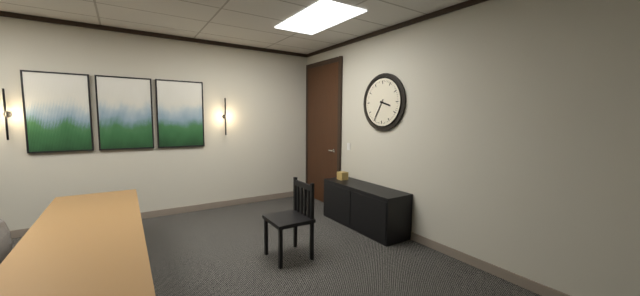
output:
3:35
